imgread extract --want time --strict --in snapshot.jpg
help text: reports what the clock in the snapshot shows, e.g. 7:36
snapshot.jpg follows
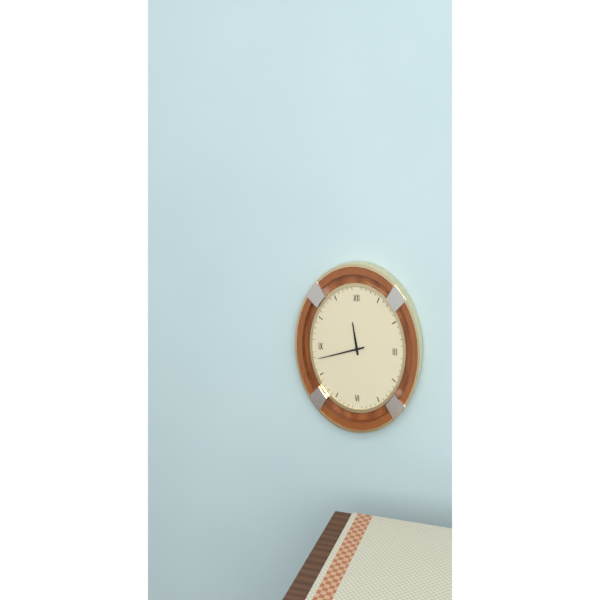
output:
11:42
